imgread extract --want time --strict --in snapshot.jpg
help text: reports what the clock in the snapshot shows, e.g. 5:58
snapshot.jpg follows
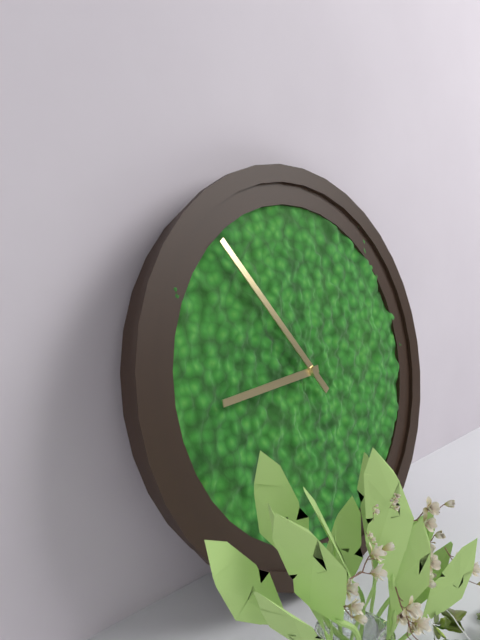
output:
8:54
